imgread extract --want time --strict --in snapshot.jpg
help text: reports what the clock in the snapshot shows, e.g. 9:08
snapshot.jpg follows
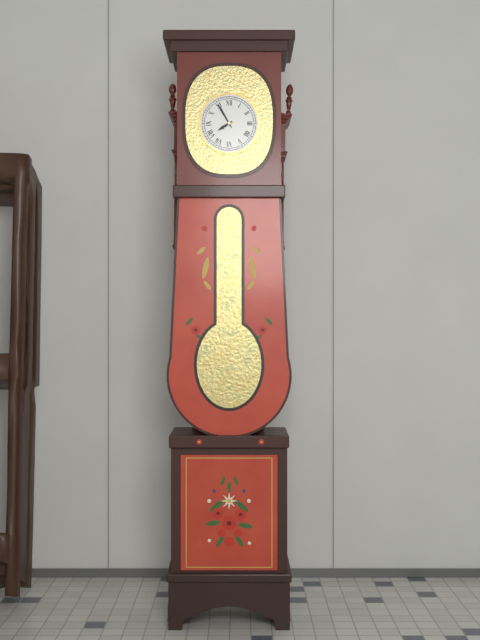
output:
7:55
